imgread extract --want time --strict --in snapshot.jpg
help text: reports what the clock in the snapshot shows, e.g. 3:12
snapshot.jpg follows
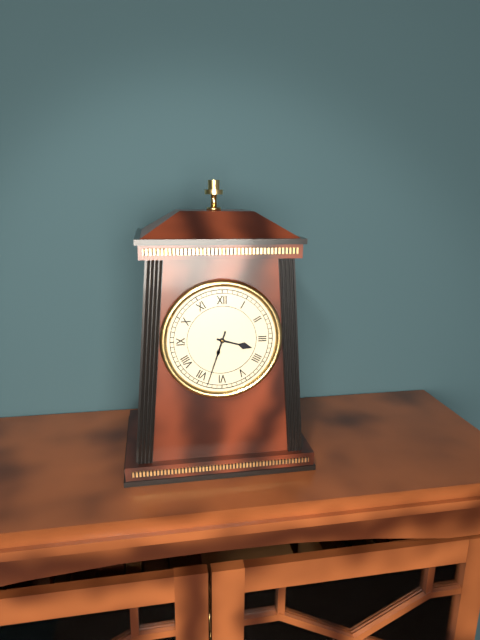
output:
3:33
